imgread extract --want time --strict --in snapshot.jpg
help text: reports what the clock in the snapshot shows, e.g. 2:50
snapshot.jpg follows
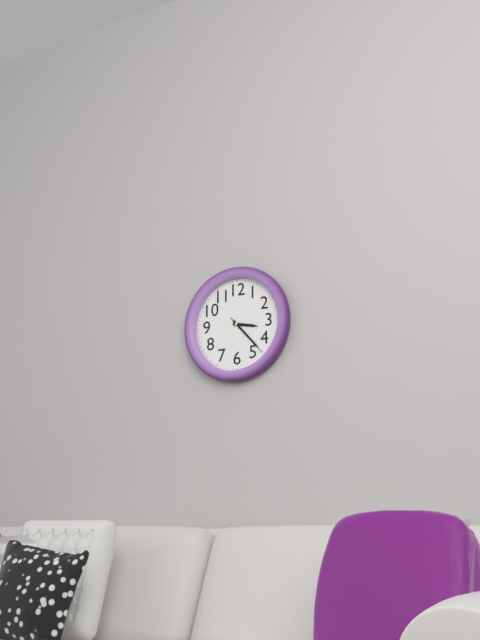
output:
3:23
